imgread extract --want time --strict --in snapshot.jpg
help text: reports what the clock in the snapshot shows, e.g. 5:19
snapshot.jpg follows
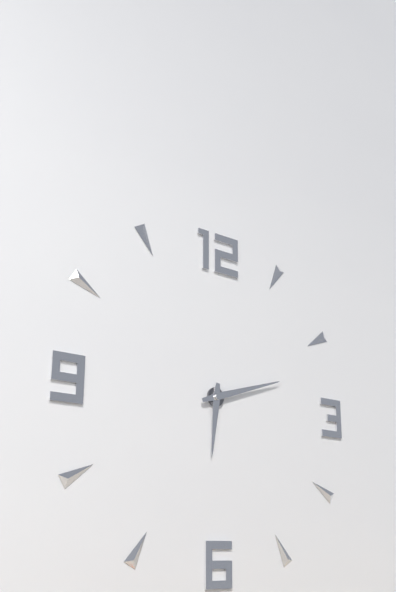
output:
6:12
